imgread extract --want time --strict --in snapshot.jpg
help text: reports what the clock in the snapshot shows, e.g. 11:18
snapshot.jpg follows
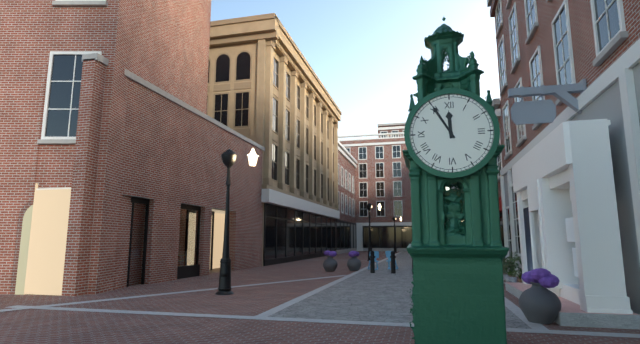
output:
11:55
